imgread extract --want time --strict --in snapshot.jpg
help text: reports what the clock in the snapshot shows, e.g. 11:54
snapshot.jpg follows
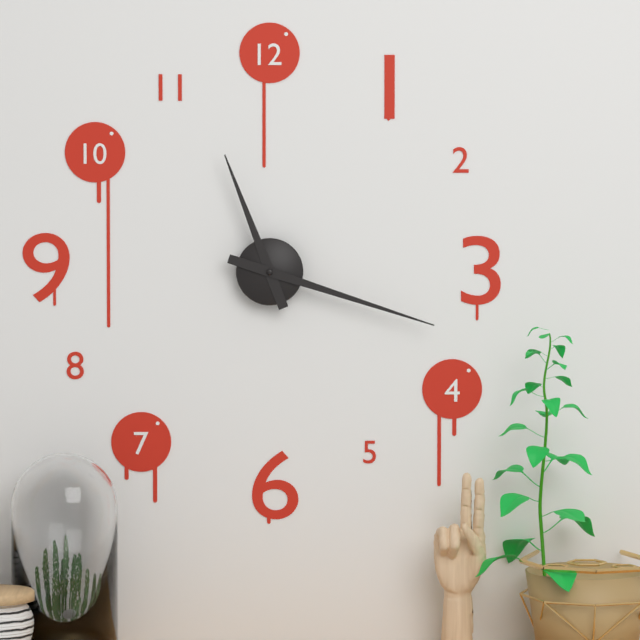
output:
11:18
